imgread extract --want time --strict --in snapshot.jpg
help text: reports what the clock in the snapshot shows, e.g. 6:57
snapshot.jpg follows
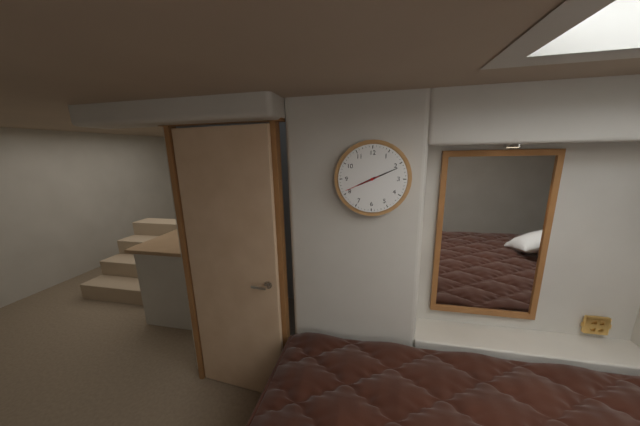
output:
8:11
